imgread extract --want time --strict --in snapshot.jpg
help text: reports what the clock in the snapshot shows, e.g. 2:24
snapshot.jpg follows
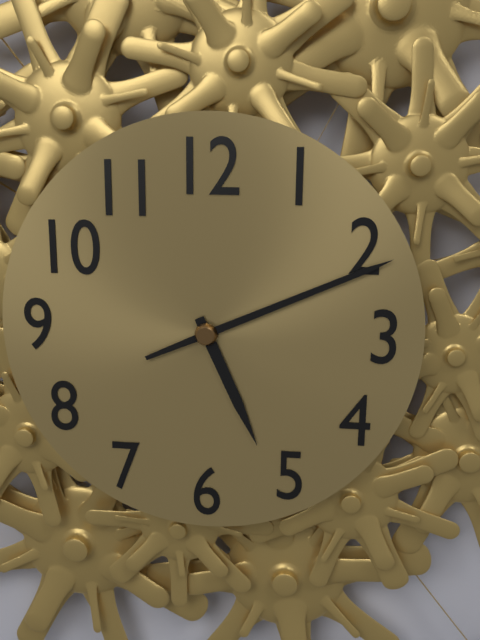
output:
5:11
